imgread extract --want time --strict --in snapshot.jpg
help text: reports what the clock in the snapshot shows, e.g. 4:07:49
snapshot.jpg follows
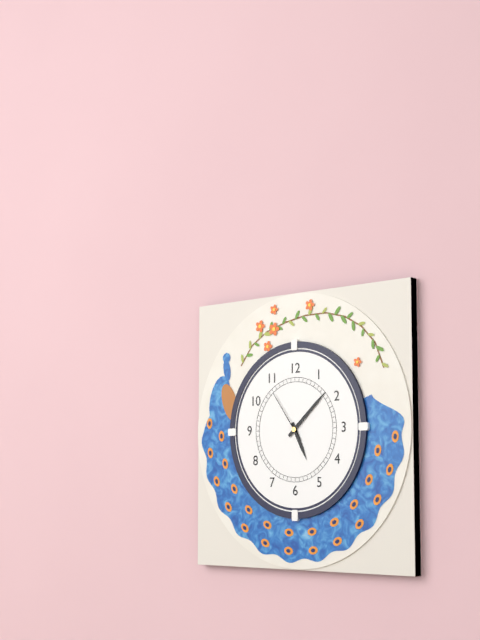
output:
5:08:54
